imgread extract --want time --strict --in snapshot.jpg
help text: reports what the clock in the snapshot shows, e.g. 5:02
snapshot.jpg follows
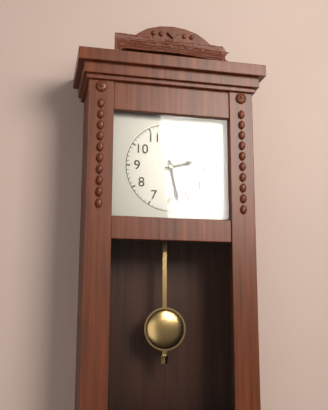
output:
2:28
